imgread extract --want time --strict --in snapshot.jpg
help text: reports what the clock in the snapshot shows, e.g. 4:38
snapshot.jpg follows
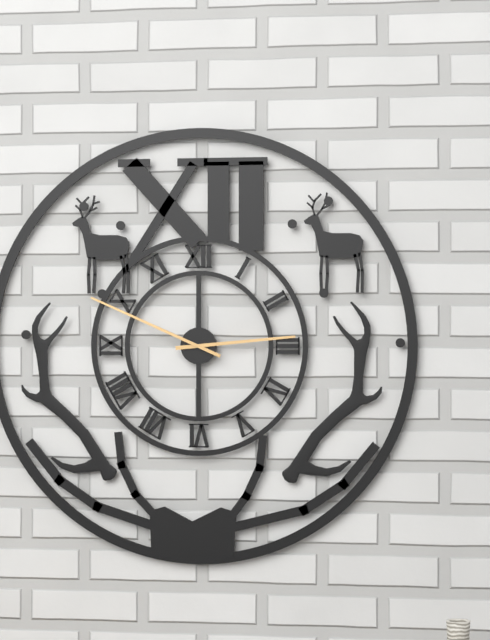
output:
2:49
